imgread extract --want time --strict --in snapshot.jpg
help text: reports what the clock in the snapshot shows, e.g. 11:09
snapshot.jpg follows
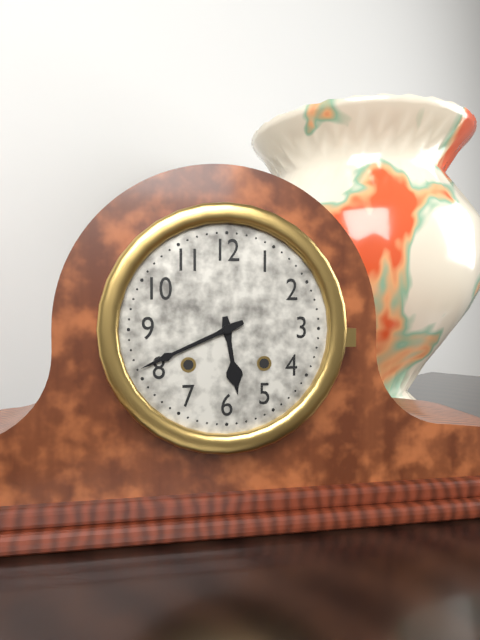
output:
5:41
